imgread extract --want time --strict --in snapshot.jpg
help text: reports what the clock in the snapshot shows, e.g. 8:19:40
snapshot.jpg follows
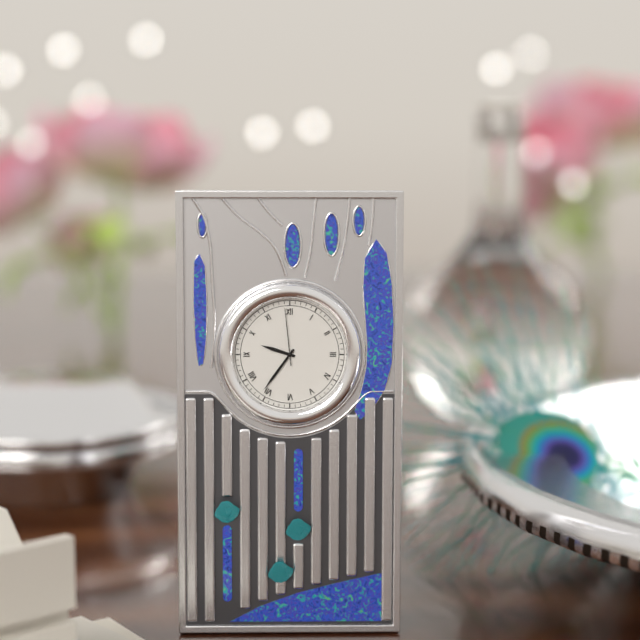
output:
9:36:59
